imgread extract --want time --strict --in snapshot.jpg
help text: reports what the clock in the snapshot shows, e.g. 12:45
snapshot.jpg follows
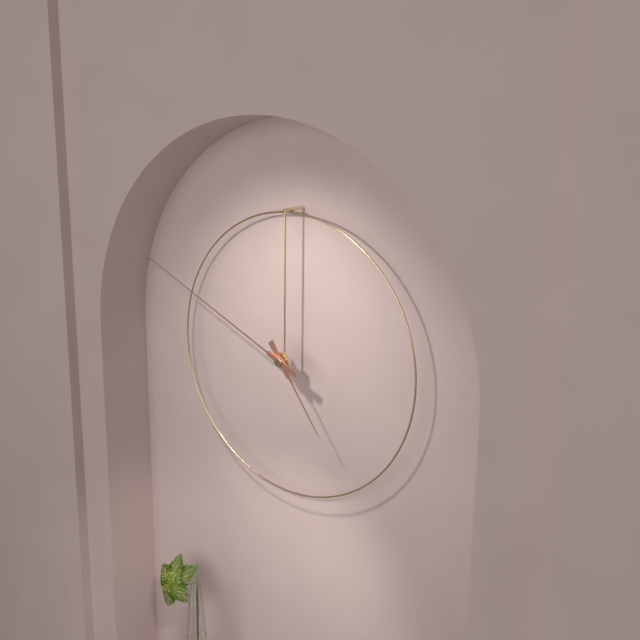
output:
4:49
